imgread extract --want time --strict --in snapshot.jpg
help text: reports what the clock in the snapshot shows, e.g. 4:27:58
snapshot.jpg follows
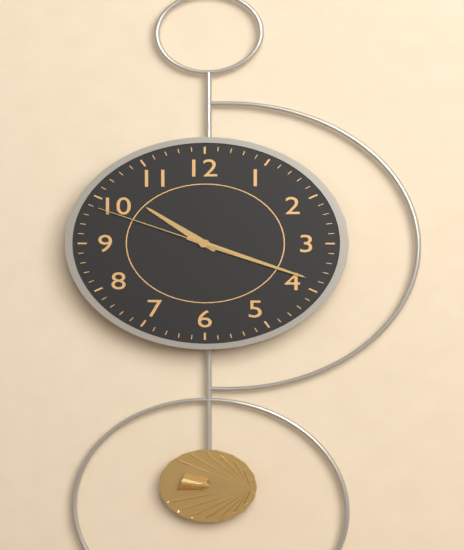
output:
10:19:49
